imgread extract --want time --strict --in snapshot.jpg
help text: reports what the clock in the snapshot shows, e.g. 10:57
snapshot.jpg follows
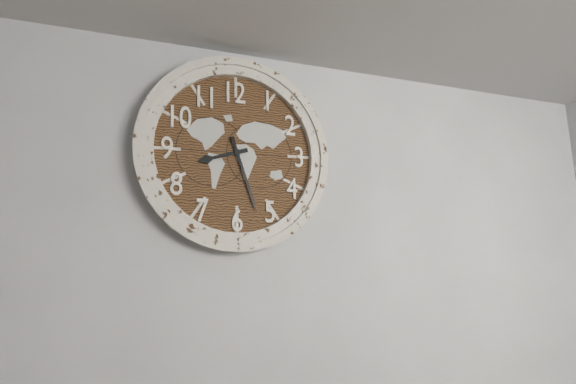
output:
8:27
